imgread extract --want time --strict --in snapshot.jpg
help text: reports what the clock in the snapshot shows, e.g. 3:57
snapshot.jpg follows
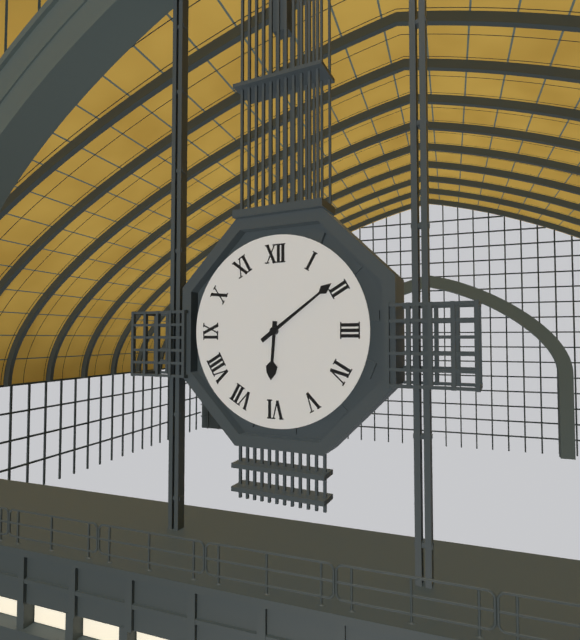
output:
6:09
